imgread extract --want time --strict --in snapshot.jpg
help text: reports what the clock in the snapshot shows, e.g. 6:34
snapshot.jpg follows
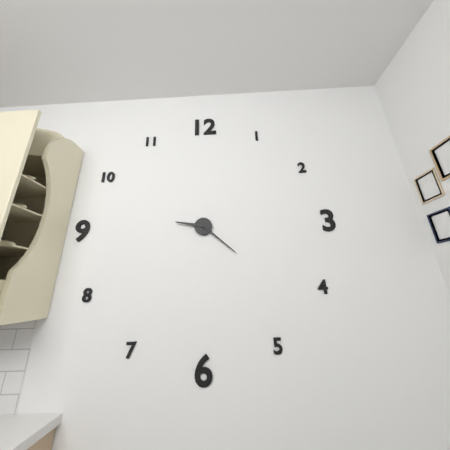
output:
9:22
